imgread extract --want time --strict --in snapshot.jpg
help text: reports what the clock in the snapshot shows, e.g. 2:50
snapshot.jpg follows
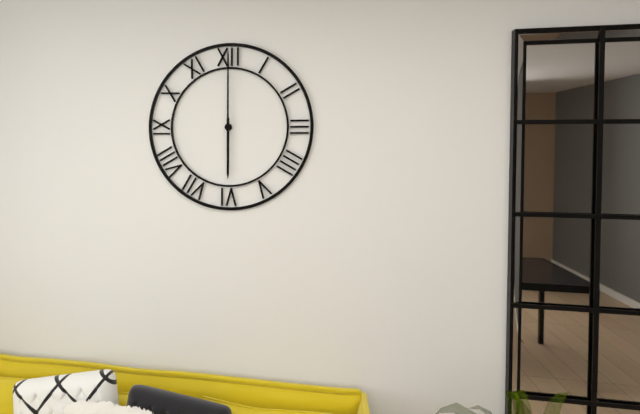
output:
6:00
